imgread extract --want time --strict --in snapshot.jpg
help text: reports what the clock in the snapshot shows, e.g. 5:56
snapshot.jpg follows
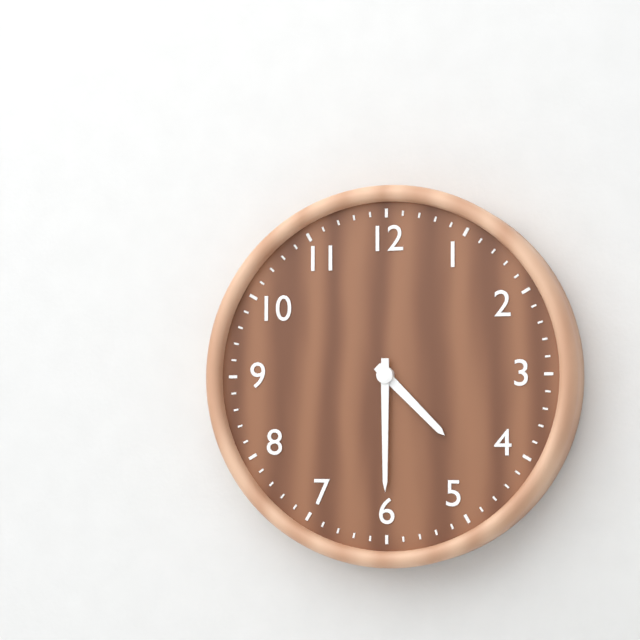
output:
4:30
